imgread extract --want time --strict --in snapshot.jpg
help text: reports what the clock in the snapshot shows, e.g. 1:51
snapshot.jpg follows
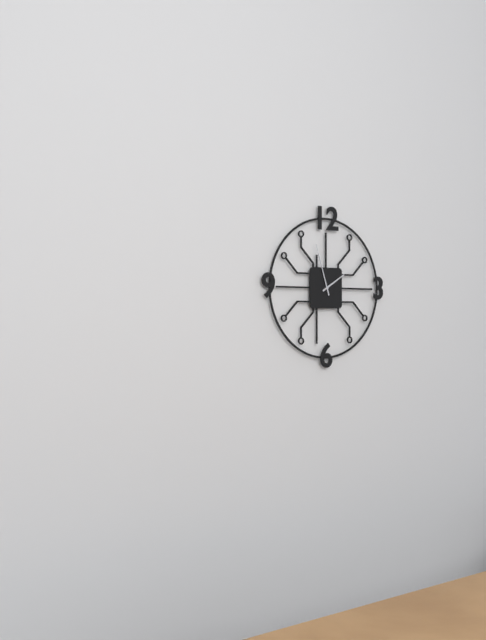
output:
1:57
